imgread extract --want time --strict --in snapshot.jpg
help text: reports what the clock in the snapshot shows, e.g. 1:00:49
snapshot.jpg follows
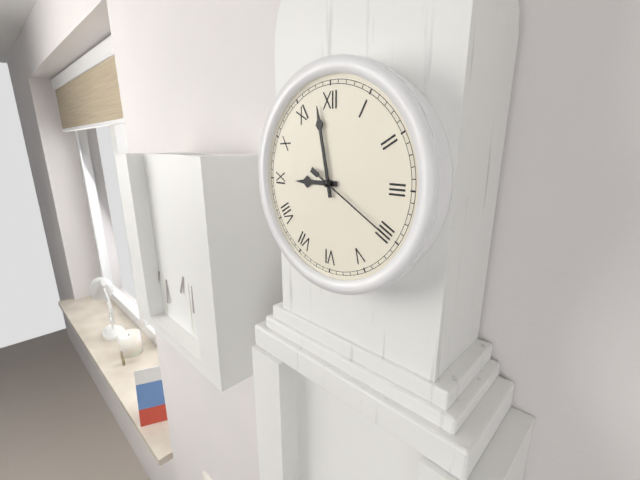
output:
8:58:20
